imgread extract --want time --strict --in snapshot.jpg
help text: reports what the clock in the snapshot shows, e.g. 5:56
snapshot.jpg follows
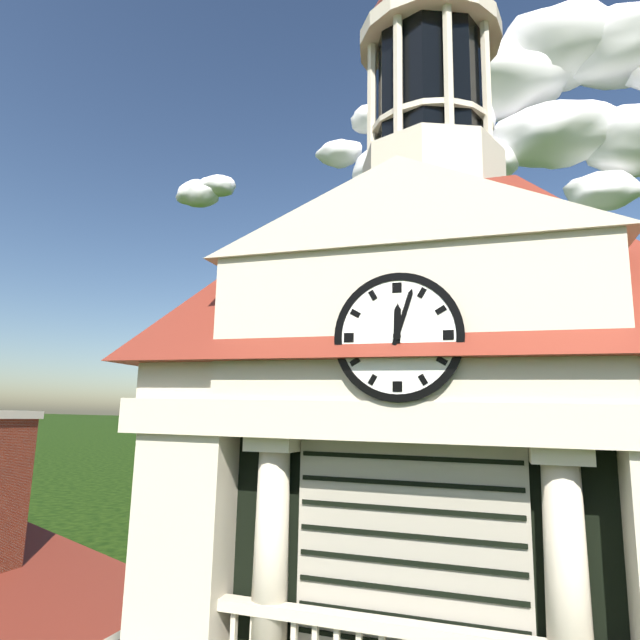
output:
12:03
